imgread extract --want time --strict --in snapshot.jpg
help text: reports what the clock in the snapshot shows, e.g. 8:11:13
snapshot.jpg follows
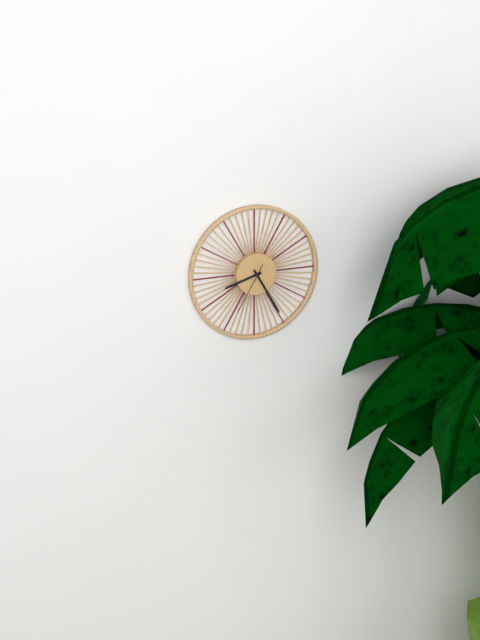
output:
8:25:35
